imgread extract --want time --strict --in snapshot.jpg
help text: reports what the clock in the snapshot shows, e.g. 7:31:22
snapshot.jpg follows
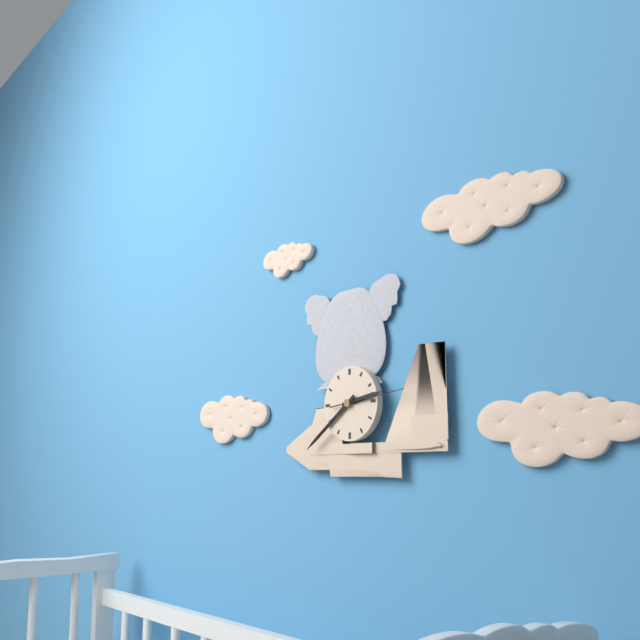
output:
2:39:14
